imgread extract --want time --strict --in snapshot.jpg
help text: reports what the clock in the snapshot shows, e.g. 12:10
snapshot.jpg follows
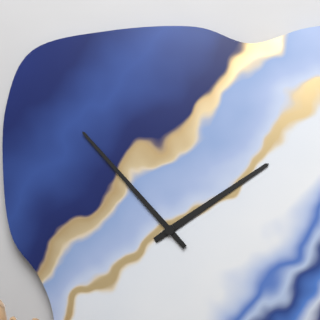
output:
1:53
